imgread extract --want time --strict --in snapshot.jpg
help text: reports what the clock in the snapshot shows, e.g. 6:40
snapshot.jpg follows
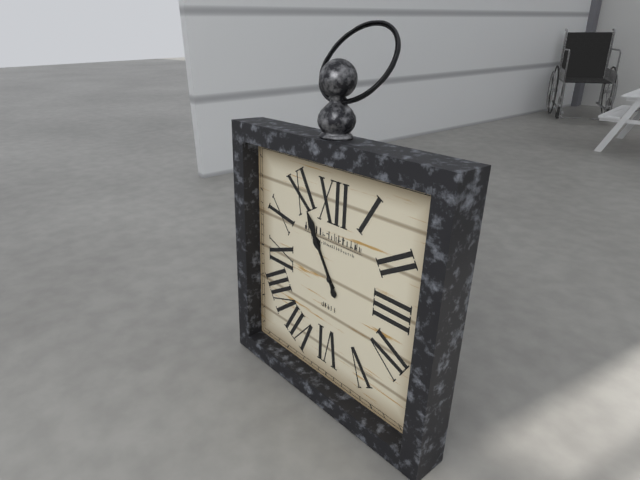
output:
10:55
